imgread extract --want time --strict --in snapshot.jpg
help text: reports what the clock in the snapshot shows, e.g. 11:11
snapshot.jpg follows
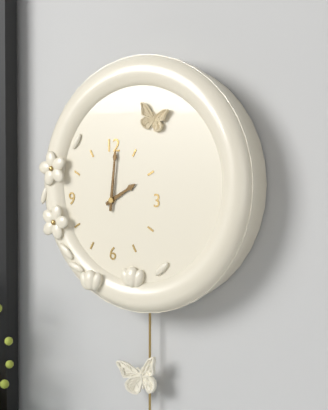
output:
2:01
